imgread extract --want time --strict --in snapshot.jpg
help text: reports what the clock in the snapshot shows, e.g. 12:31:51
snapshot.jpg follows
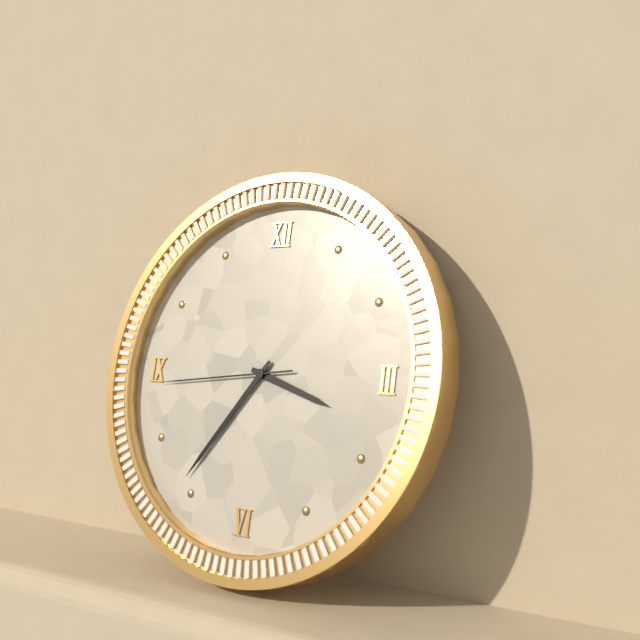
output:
3:36:44
